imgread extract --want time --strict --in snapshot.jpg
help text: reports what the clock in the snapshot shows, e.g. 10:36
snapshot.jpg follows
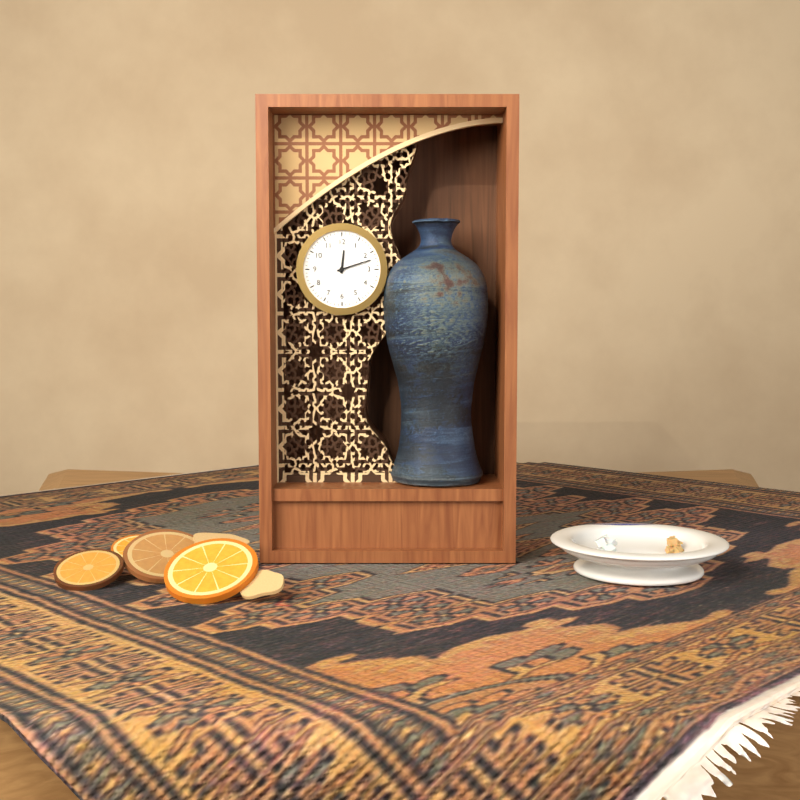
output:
12:12
